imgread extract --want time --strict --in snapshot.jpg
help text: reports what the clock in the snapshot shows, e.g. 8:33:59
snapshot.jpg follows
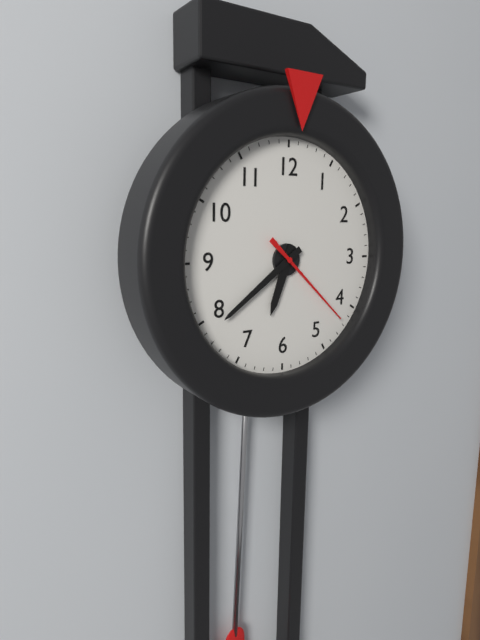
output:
6:39:22
